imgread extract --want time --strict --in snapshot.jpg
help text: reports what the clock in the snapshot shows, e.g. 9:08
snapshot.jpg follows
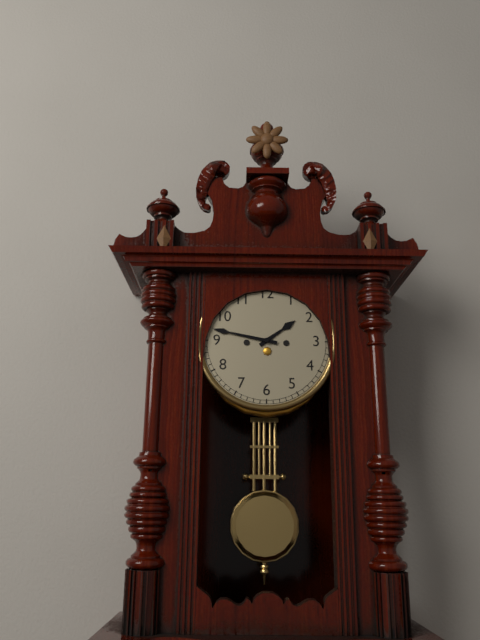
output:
1:47
